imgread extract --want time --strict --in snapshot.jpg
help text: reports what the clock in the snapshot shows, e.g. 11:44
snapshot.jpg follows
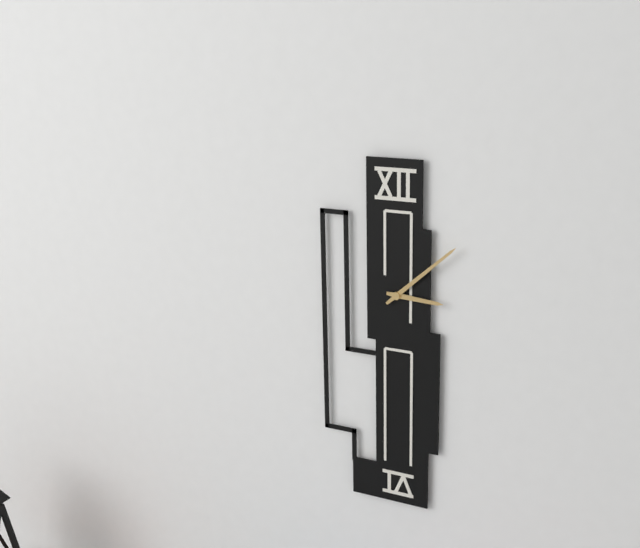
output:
3:08
